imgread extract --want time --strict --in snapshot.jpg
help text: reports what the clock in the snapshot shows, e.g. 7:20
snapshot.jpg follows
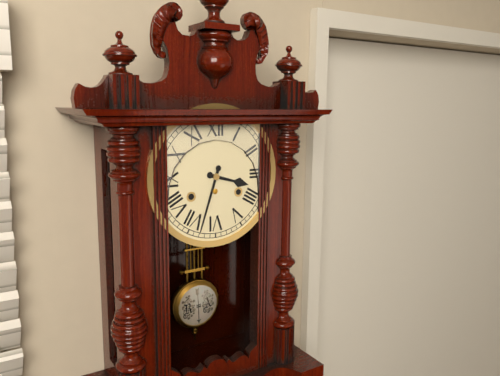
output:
3:33
